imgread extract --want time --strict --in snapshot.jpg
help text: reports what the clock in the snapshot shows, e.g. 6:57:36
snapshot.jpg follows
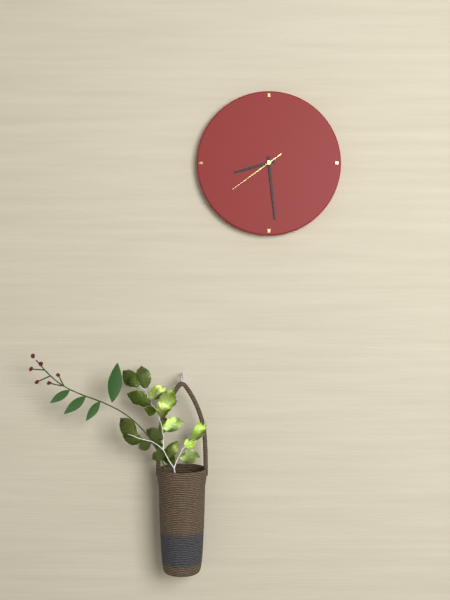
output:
8:29:39
